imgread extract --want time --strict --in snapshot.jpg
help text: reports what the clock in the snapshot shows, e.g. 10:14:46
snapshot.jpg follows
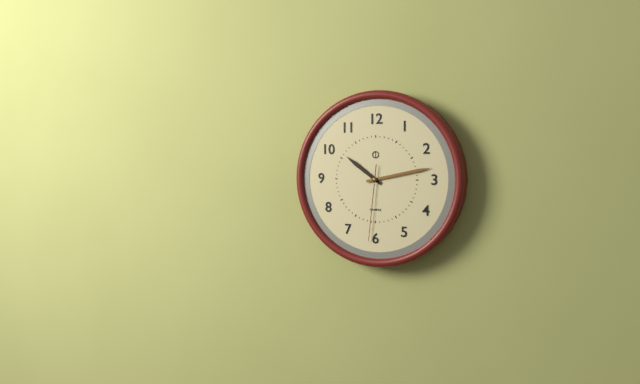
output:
10:13:31
